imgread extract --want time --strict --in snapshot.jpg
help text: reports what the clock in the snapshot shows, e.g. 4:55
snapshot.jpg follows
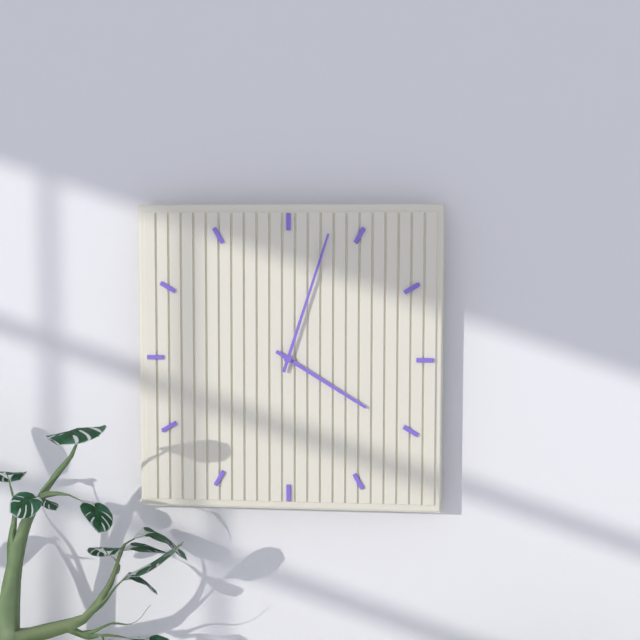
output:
4:03
